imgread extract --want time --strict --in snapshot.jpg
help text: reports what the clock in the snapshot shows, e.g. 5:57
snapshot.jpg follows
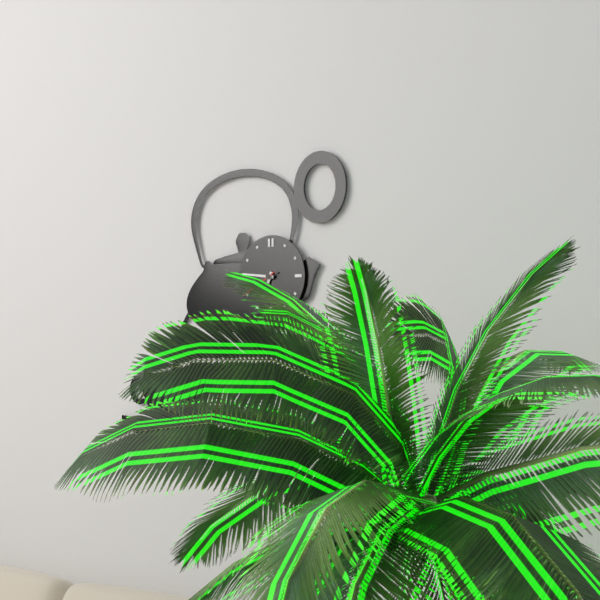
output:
6:46
